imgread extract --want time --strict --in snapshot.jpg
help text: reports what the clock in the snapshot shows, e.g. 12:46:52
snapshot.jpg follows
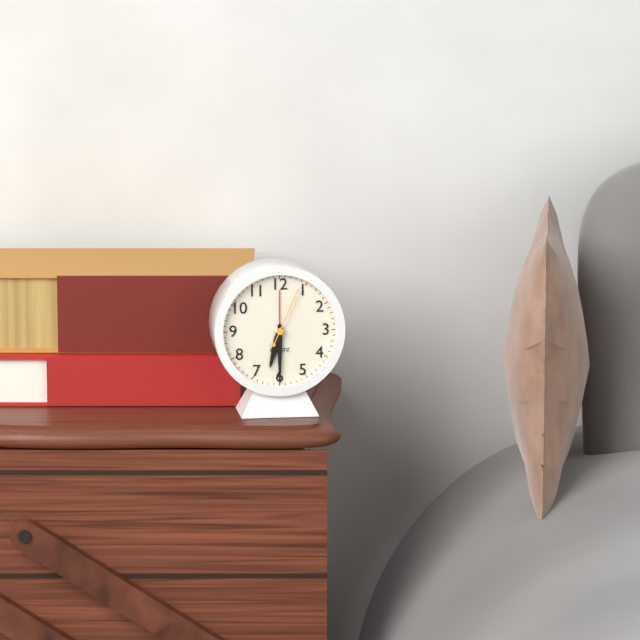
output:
6:30:04
